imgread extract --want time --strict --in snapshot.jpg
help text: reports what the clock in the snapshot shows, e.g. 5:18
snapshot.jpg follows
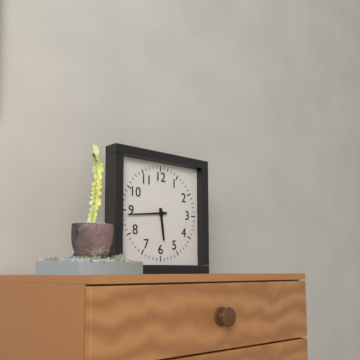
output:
5:44
